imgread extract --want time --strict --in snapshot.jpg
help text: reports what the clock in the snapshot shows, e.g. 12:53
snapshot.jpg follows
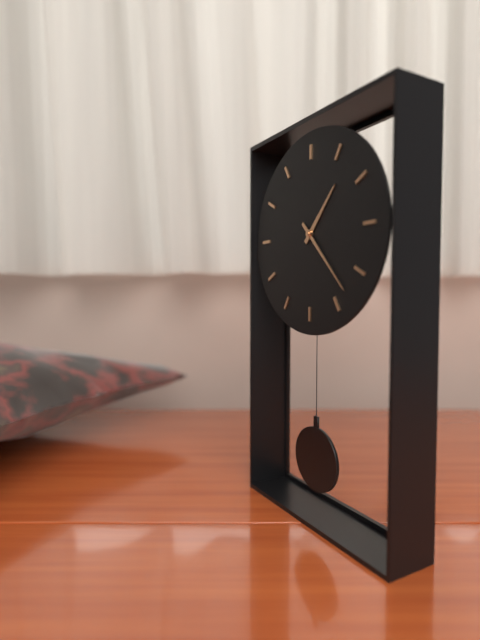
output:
1:23
